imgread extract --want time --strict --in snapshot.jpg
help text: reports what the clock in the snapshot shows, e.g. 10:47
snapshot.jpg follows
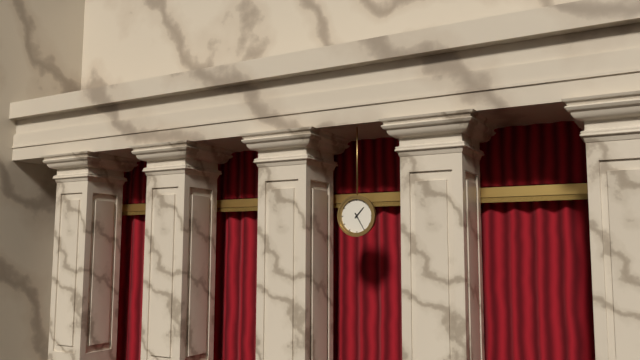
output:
1:25
